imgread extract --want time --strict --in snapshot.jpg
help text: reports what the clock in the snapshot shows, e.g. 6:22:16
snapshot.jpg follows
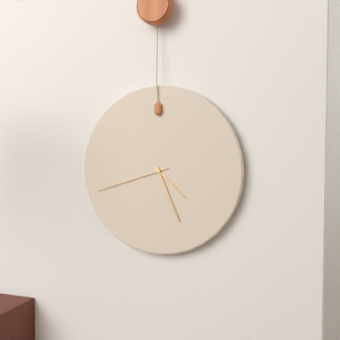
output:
4:26:42
